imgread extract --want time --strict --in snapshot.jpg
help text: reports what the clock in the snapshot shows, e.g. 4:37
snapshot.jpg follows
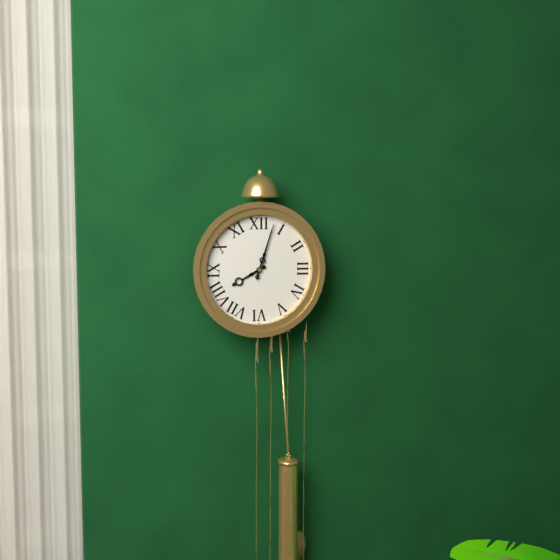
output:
8:03
